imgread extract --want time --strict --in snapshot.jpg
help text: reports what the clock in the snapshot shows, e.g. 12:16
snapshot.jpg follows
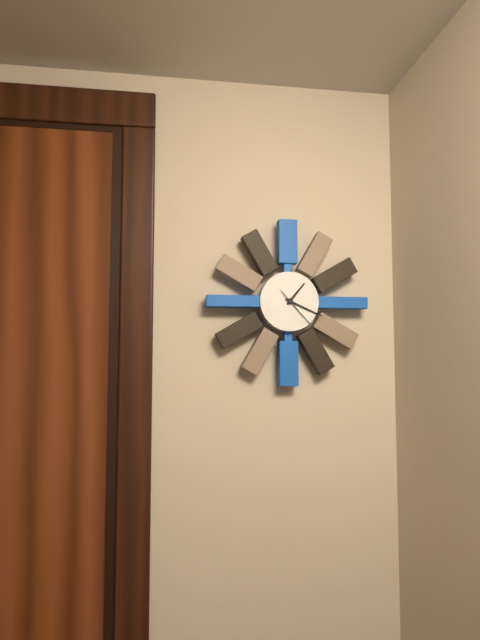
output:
1:19
